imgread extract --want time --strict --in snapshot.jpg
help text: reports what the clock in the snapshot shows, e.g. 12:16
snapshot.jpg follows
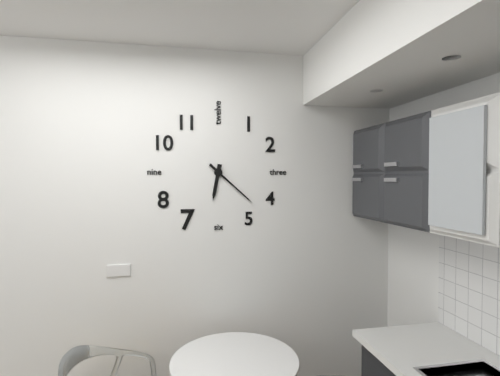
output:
6:22
